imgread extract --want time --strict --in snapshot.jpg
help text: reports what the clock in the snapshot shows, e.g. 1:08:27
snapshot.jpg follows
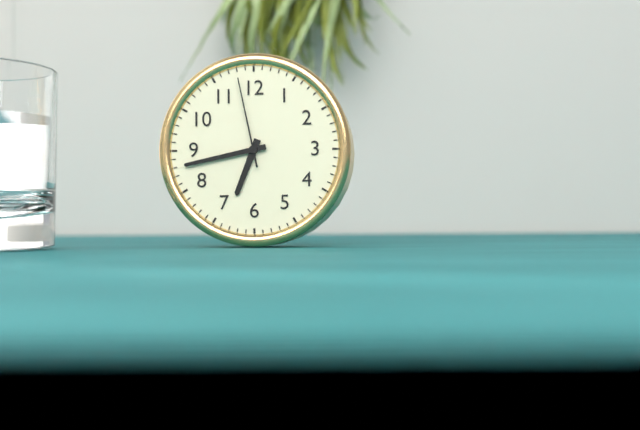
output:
6:43:58
